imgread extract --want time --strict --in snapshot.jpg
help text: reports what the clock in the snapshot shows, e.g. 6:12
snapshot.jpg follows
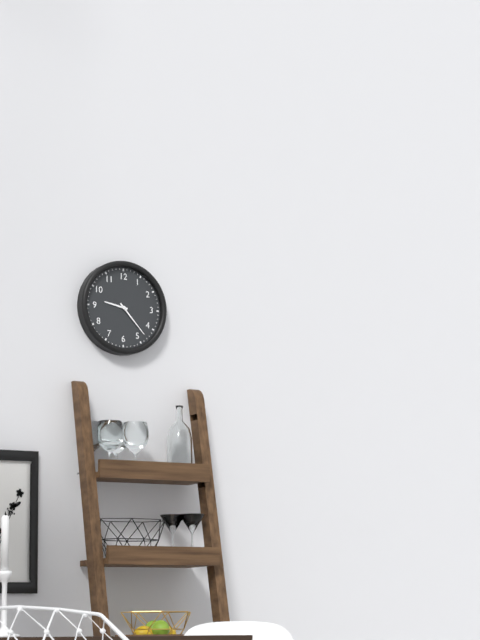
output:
9:23
